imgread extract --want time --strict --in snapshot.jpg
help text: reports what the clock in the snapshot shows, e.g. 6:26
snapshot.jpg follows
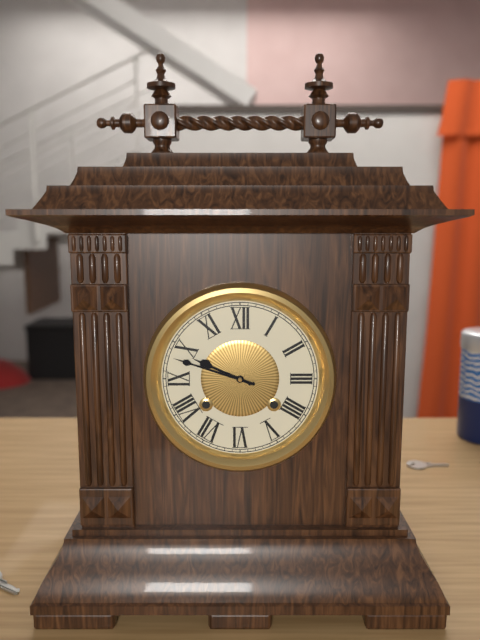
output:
9:48
